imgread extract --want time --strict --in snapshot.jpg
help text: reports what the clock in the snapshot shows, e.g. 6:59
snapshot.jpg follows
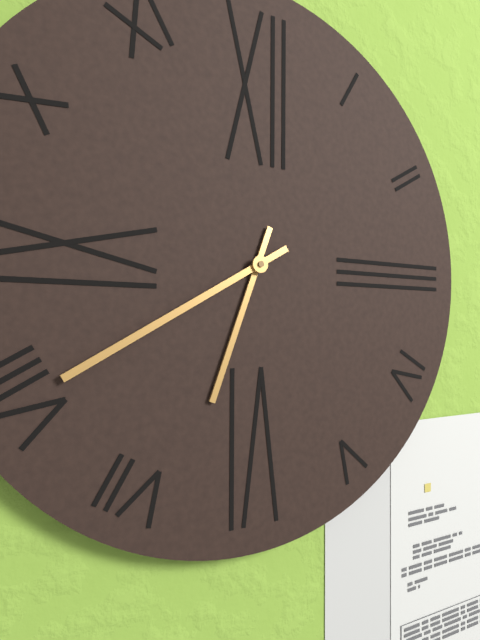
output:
6:40
